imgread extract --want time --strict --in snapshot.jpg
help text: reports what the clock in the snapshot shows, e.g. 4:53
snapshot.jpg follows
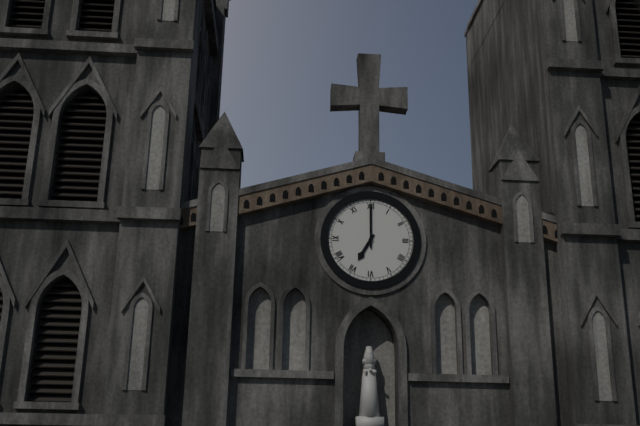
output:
7:00
